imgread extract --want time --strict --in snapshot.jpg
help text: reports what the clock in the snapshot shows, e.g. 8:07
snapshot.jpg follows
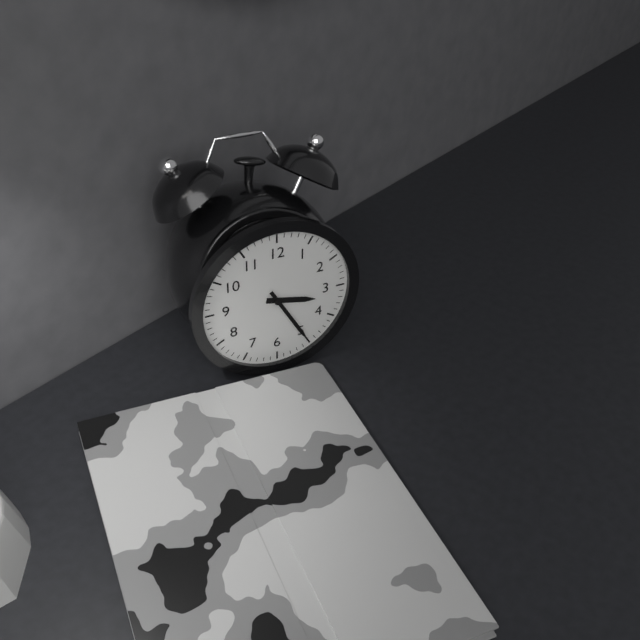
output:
3:25
